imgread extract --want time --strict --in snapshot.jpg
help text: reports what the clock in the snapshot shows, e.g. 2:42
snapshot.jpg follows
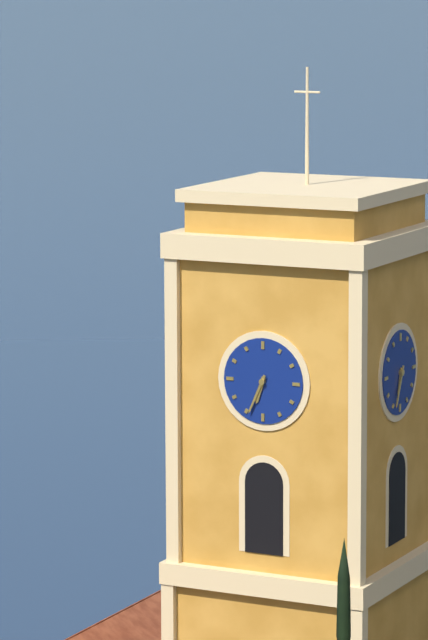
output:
6:34
